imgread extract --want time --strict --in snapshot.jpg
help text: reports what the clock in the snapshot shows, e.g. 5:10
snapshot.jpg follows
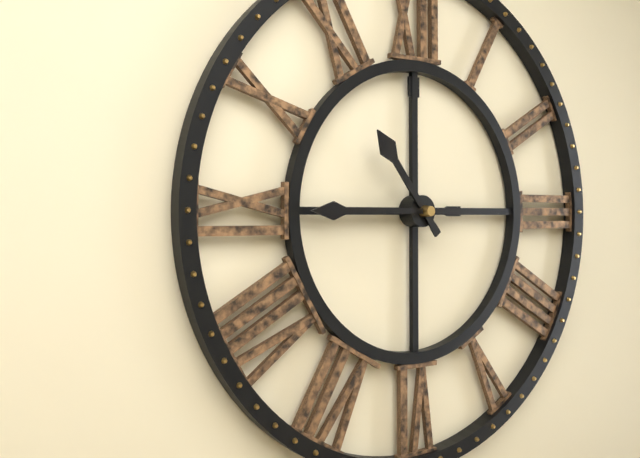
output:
10:45
